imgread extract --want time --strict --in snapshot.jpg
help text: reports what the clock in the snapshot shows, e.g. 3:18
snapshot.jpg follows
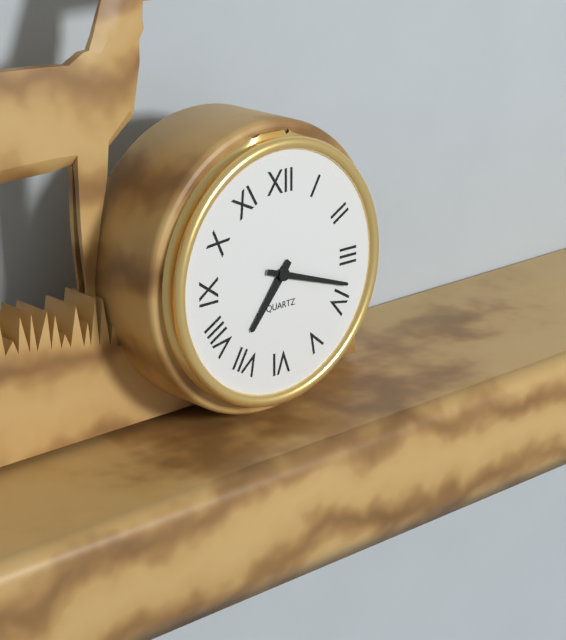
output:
7:18
